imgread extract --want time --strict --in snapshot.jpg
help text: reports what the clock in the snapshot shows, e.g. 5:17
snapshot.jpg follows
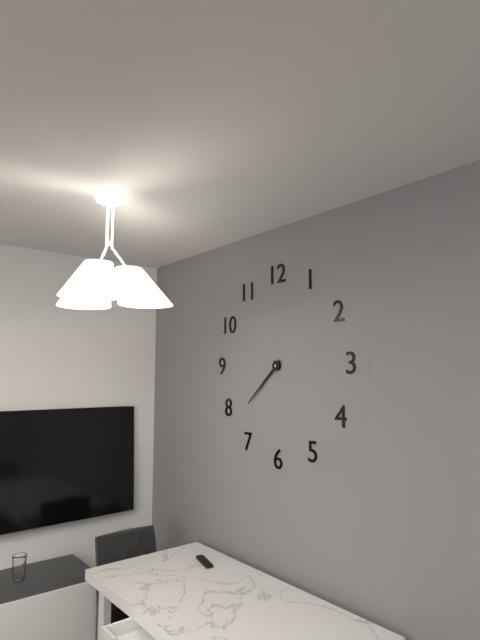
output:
7:38
